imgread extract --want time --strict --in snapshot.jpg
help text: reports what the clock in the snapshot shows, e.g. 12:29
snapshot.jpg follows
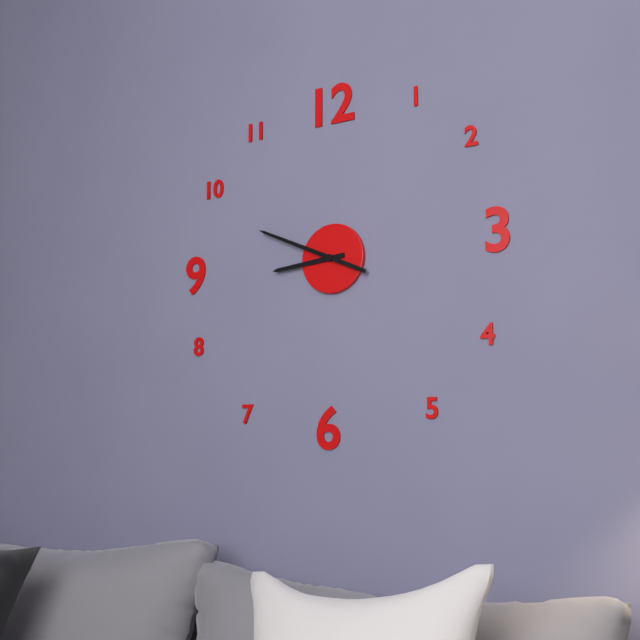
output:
8:49
